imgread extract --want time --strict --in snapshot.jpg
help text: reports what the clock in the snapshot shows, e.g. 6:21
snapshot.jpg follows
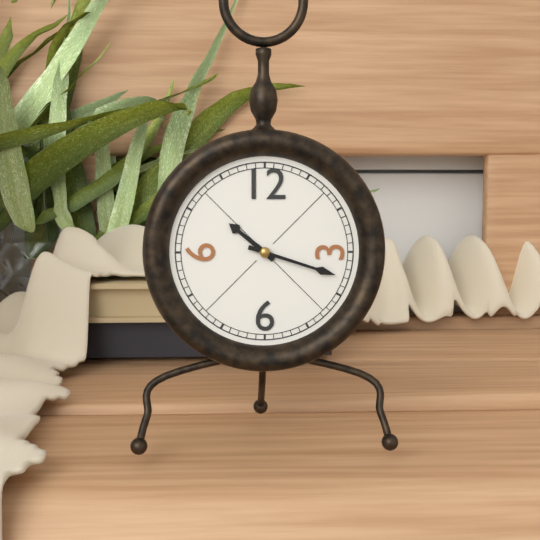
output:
10:18
